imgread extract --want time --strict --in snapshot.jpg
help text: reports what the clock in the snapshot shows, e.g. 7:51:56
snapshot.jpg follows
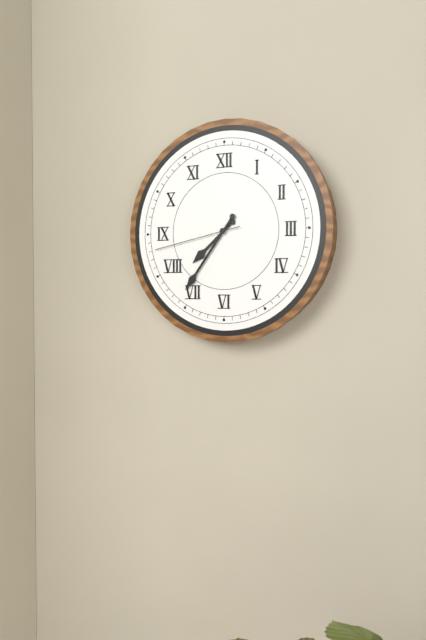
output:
7:36:43
